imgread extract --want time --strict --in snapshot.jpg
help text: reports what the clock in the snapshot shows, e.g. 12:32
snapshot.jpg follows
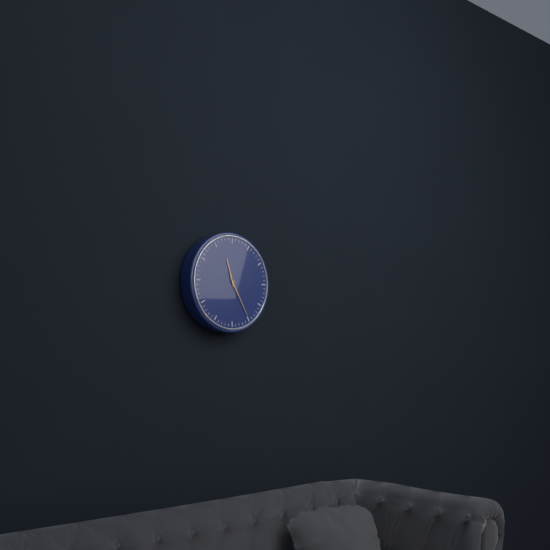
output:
11:25
